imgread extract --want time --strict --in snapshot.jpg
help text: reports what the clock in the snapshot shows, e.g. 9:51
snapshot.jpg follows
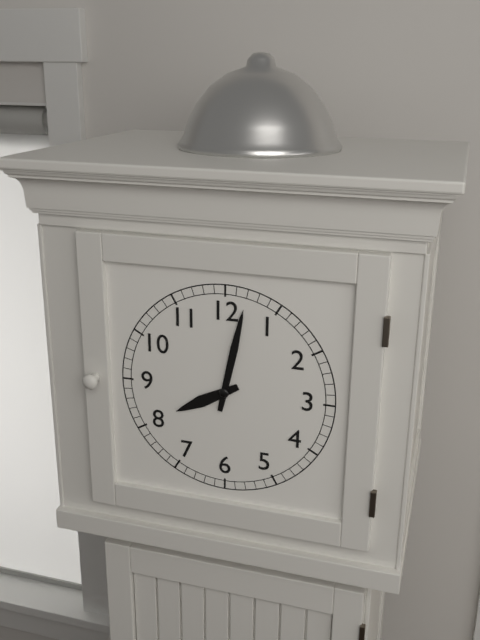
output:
8:02
